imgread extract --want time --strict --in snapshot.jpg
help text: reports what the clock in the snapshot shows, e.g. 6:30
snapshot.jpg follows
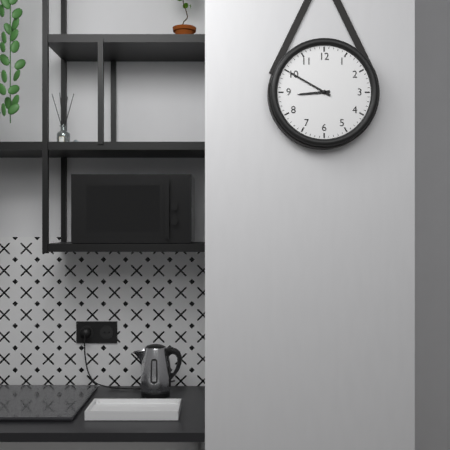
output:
8:50
